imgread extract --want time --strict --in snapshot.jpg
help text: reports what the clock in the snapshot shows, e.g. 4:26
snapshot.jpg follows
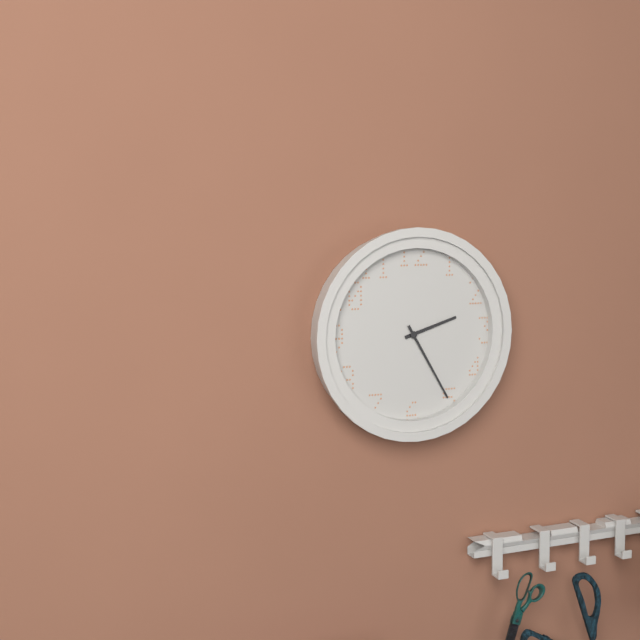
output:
2:25
